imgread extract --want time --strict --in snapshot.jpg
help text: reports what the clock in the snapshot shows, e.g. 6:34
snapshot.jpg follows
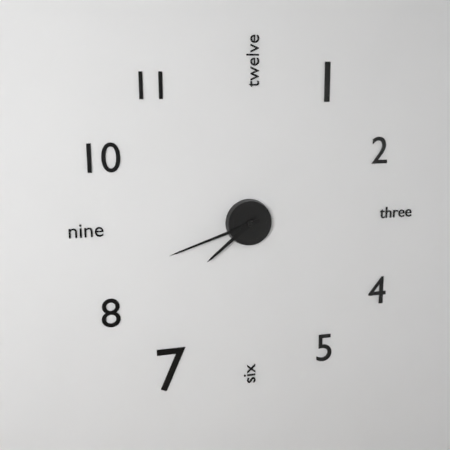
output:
7:42
